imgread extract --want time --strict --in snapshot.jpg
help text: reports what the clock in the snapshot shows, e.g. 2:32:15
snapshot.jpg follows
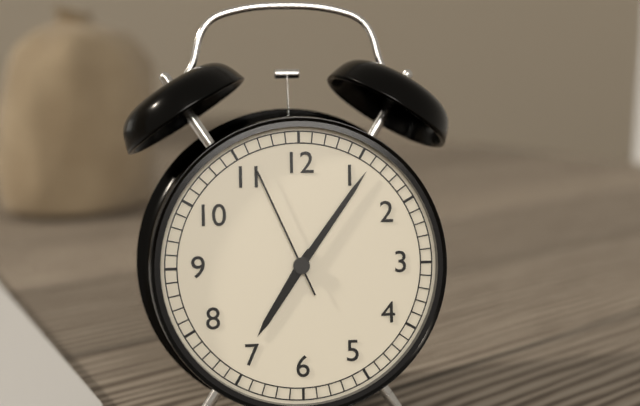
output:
7:06:56
